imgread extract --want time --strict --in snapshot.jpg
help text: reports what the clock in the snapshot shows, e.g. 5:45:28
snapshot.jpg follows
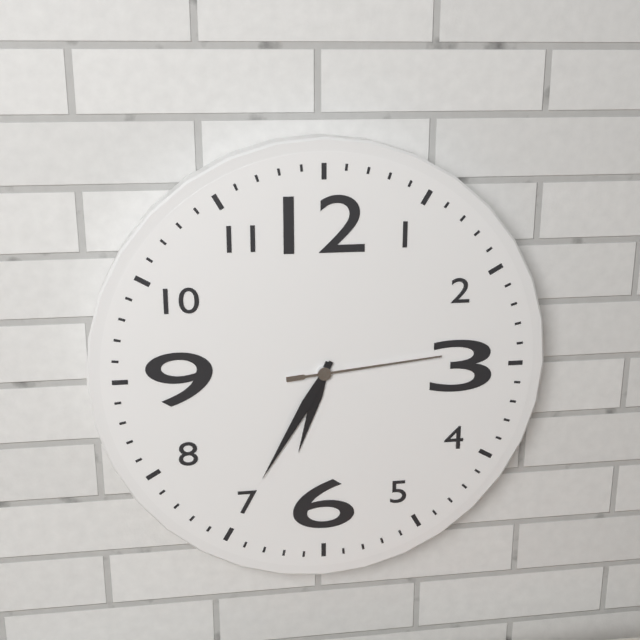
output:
6:35:14
